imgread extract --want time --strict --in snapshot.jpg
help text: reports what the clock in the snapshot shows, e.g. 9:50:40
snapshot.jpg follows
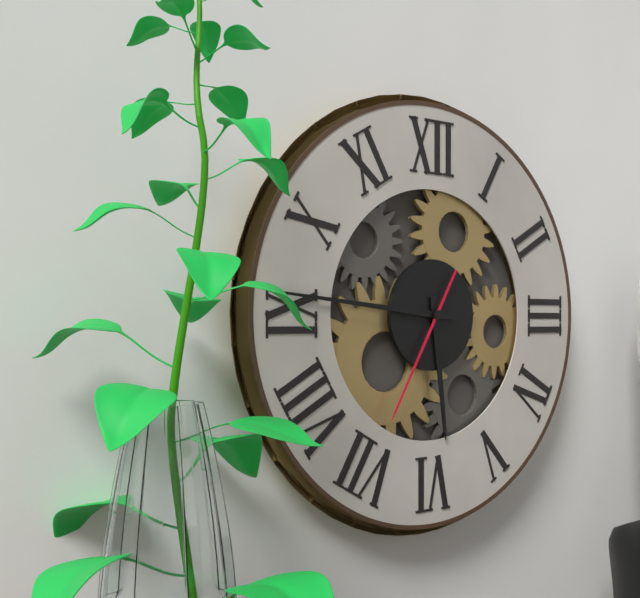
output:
5:46:35
